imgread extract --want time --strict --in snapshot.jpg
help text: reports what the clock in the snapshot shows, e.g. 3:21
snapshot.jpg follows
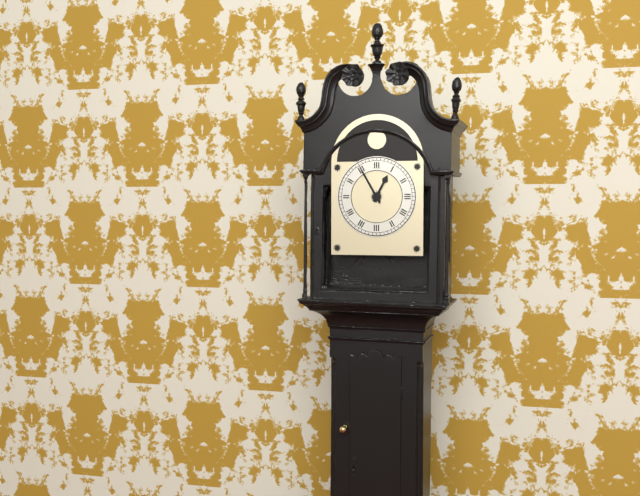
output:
12:55
